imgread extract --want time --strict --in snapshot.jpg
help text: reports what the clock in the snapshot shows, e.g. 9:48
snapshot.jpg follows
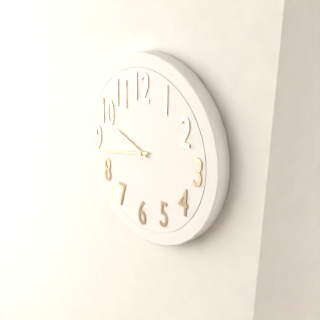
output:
9:43
